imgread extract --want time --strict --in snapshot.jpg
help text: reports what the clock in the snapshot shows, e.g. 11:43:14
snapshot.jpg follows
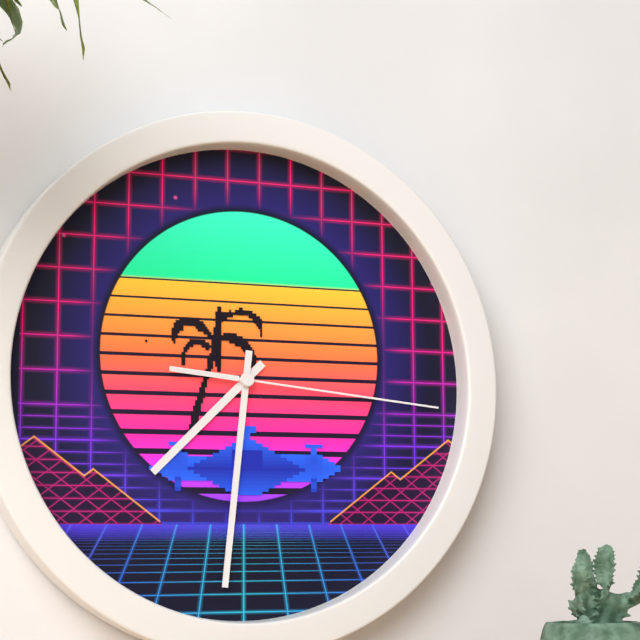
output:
7:31:16
